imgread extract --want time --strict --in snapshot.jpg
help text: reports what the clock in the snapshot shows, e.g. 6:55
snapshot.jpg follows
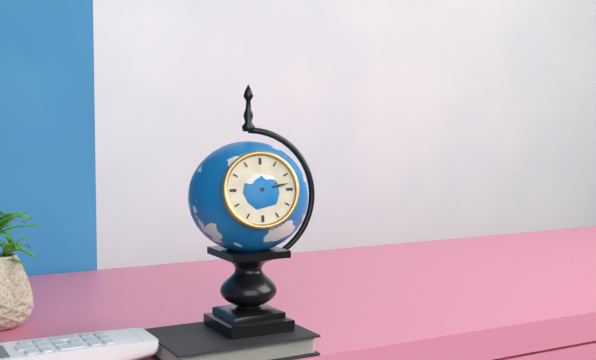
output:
2:13
